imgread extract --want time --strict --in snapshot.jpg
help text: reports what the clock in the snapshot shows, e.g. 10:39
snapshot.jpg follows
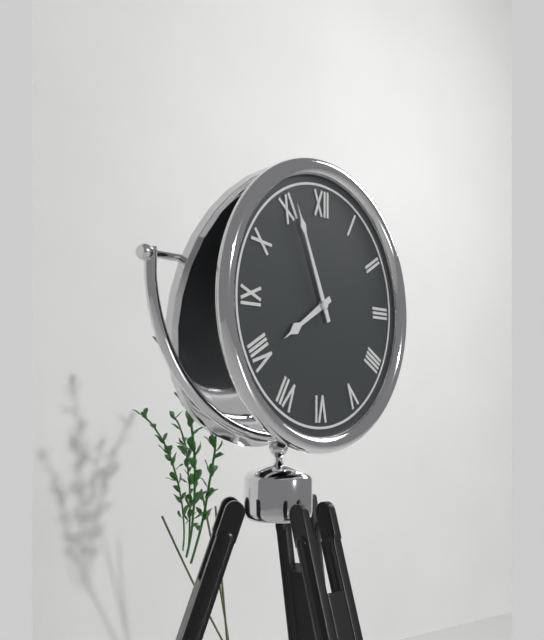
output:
7:56
